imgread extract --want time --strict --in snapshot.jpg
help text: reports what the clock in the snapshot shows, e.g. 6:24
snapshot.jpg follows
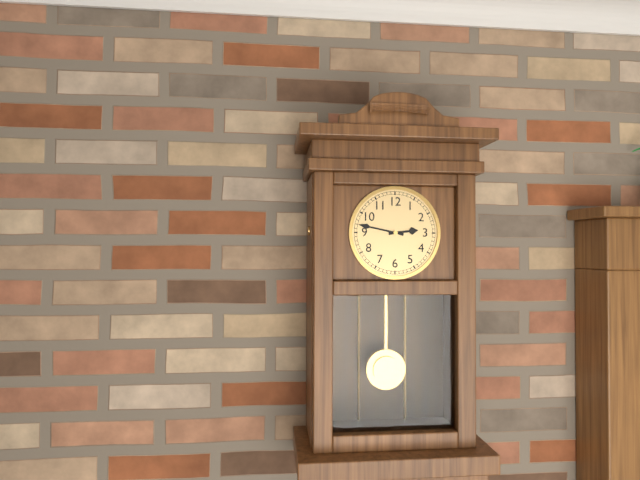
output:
2:47
